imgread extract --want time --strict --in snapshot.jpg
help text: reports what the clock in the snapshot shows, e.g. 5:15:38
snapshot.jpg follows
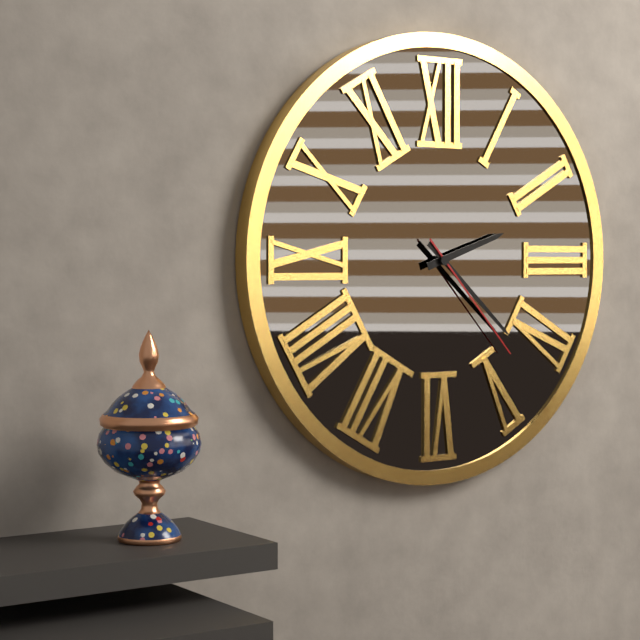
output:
2:22:23
